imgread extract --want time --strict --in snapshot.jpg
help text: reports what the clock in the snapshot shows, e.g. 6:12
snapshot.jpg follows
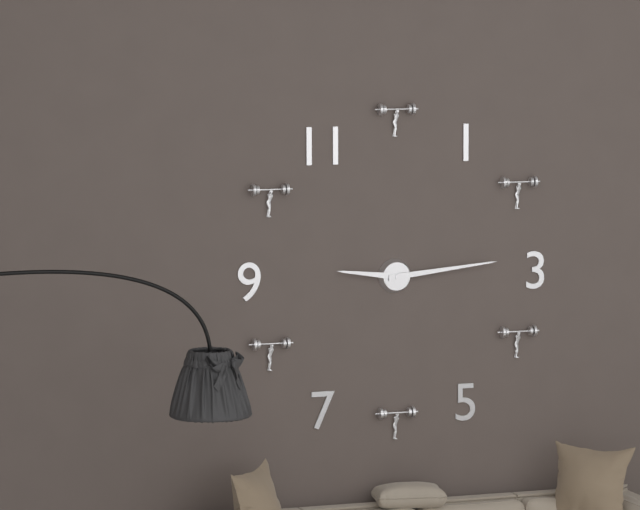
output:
9:14
